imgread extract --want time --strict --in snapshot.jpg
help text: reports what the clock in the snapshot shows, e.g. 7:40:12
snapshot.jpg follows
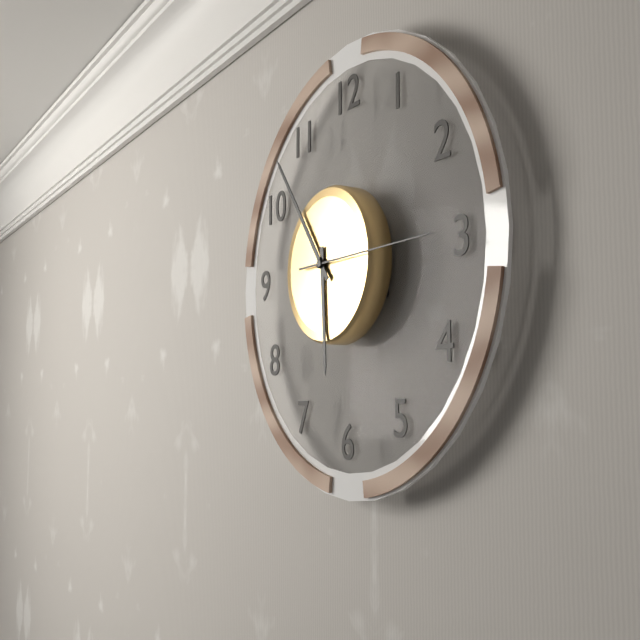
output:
5:54:15
